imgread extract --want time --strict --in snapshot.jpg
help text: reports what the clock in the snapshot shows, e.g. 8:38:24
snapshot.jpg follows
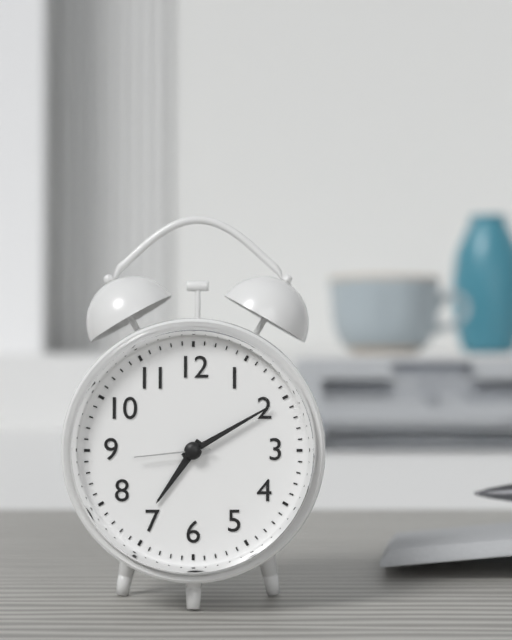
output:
7:10:44
